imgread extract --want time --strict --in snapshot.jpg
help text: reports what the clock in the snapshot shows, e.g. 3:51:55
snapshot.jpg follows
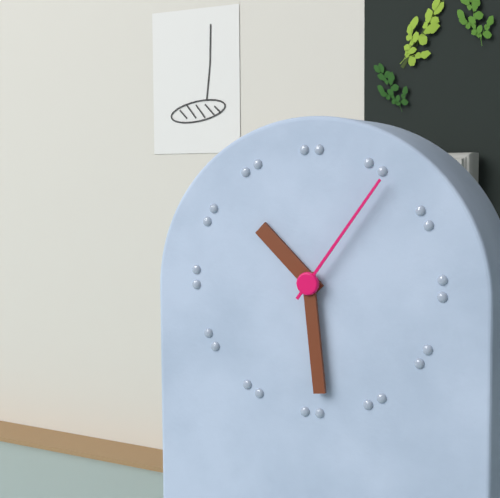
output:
10:29:06
